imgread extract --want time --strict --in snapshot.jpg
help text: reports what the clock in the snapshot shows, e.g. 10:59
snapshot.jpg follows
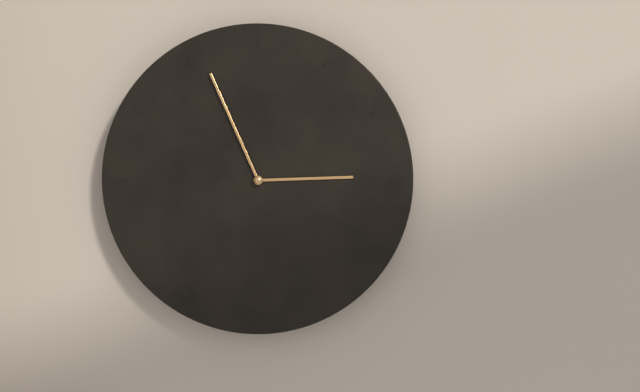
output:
2:56
